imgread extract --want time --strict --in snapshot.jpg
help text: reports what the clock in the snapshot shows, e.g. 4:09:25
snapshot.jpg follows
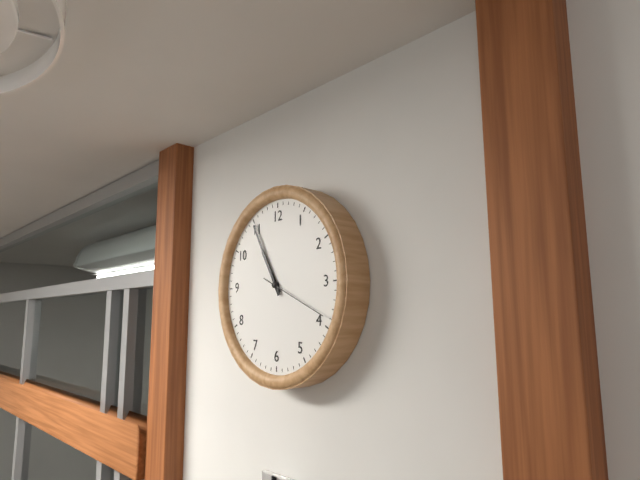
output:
10:55:19
